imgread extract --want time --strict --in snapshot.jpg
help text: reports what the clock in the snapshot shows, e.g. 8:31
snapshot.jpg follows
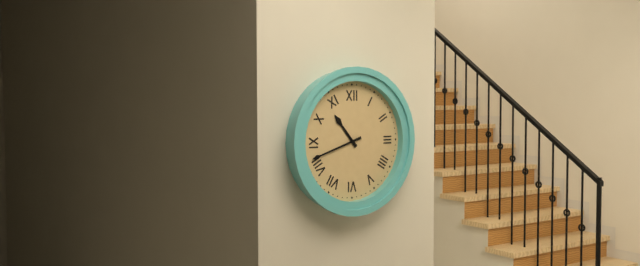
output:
10:42
